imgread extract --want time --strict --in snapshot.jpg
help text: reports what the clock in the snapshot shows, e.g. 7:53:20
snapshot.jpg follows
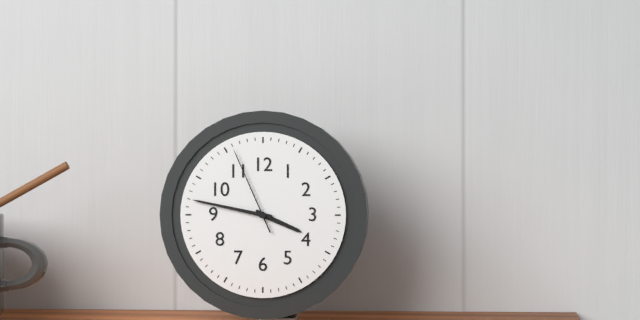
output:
3:47:56
